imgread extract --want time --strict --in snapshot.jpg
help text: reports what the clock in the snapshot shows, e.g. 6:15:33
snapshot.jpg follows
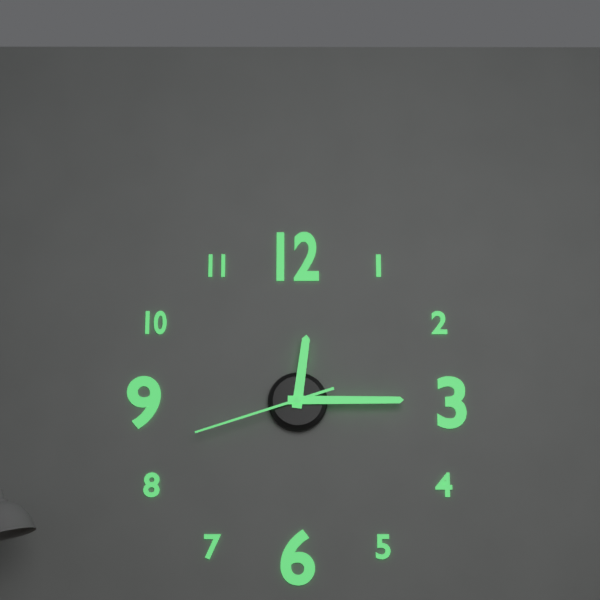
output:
12:15:42
